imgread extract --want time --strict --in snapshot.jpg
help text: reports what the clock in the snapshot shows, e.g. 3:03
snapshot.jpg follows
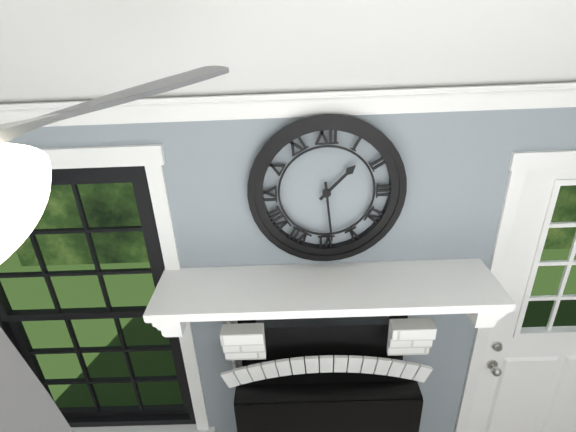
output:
1:29
